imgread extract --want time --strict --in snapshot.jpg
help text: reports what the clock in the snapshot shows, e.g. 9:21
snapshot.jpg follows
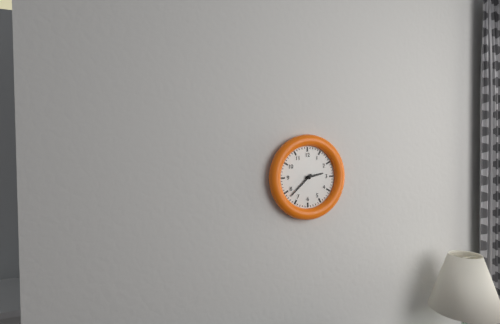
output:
2:38
